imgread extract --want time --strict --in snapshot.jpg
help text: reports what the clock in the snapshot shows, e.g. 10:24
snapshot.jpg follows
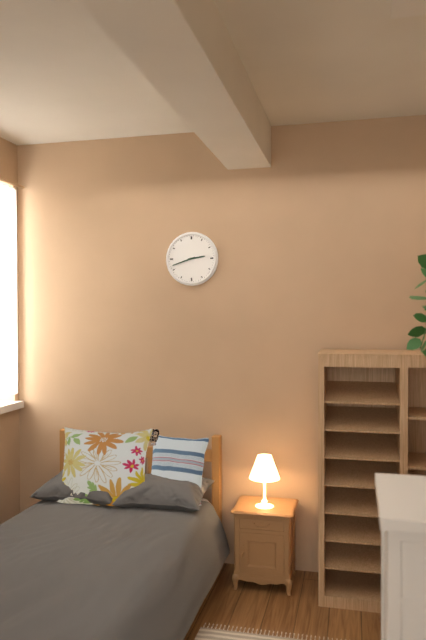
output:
2:42
